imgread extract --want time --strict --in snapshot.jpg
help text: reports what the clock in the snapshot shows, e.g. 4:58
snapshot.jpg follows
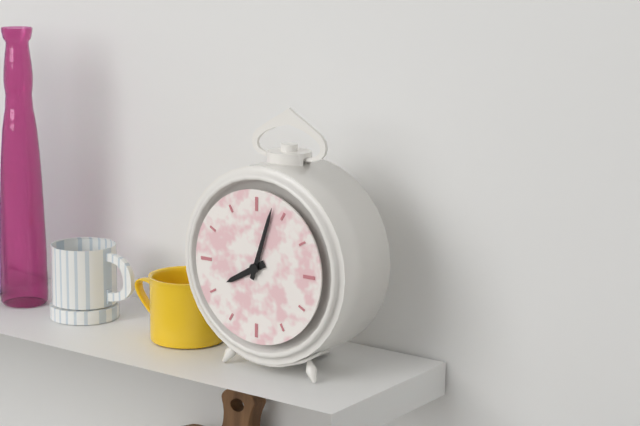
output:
8:03
